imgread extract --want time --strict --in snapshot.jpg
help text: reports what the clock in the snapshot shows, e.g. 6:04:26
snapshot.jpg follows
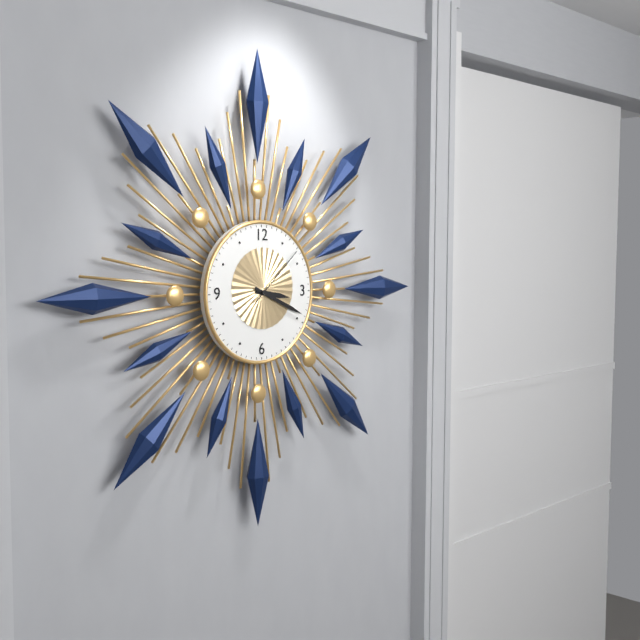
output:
3:19:08
